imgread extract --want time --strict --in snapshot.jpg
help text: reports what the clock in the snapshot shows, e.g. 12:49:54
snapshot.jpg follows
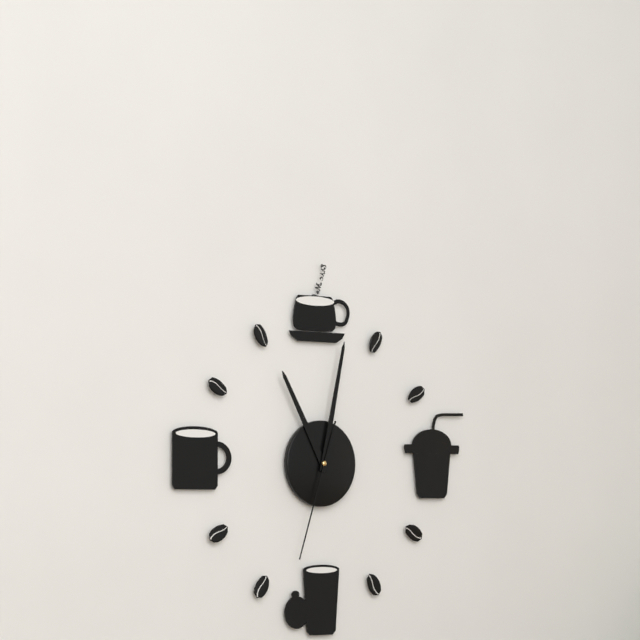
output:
11:02:33
